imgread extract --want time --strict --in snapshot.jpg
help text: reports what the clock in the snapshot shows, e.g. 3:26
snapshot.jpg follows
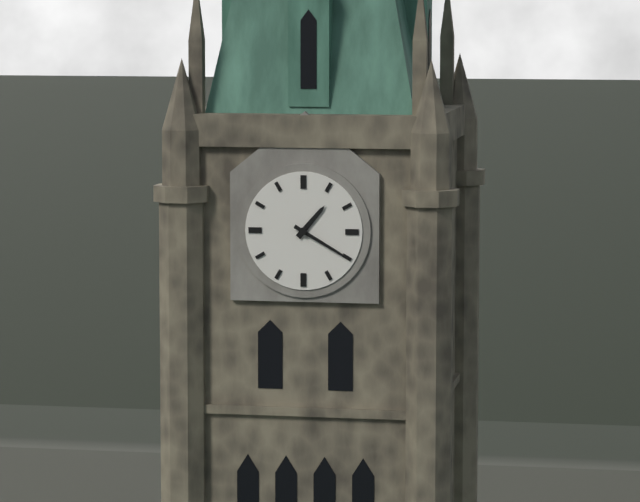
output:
1:20
